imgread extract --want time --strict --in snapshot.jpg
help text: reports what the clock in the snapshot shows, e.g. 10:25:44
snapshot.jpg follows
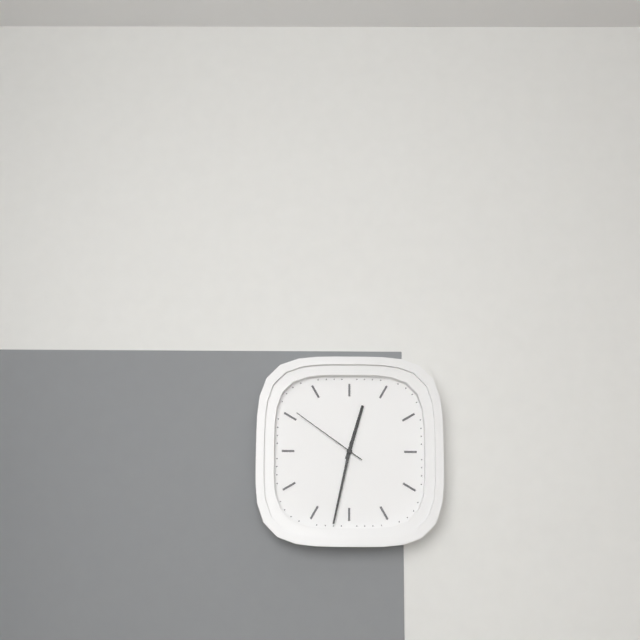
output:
12:32:51
